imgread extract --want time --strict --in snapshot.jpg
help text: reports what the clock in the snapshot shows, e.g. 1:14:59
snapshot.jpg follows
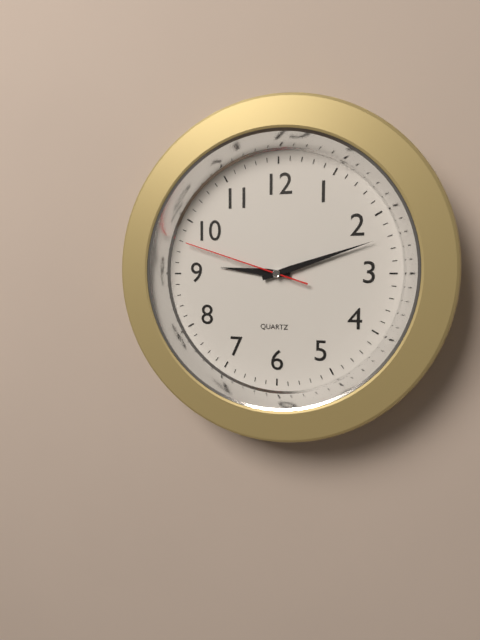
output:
9:12:48
